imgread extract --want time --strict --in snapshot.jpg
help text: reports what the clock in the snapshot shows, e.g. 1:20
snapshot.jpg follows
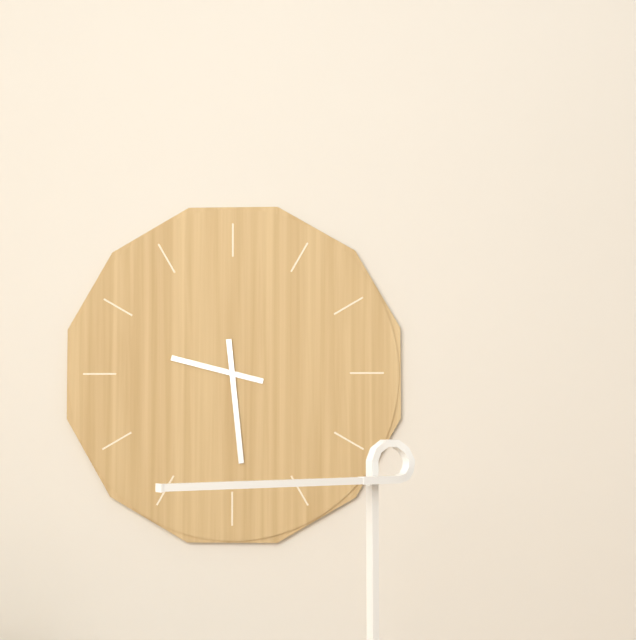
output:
9:29
